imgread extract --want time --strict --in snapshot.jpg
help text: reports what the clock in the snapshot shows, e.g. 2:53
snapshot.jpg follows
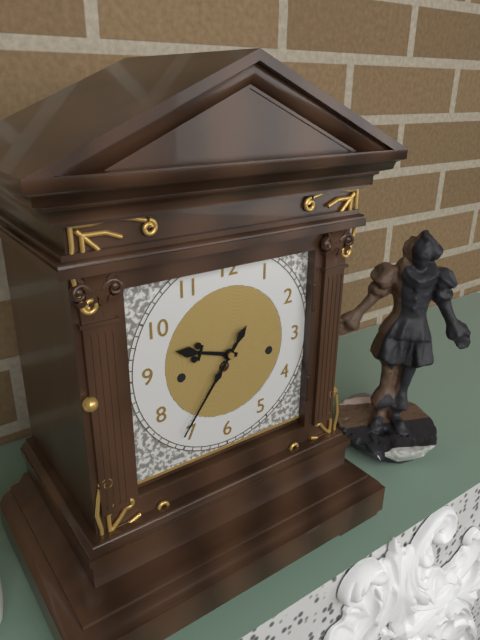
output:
9:36
